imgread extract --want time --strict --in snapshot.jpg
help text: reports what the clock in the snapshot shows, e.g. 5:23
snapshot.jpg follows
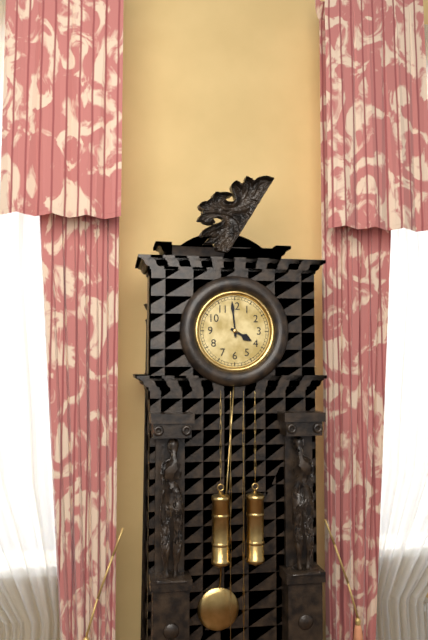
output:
3:59
